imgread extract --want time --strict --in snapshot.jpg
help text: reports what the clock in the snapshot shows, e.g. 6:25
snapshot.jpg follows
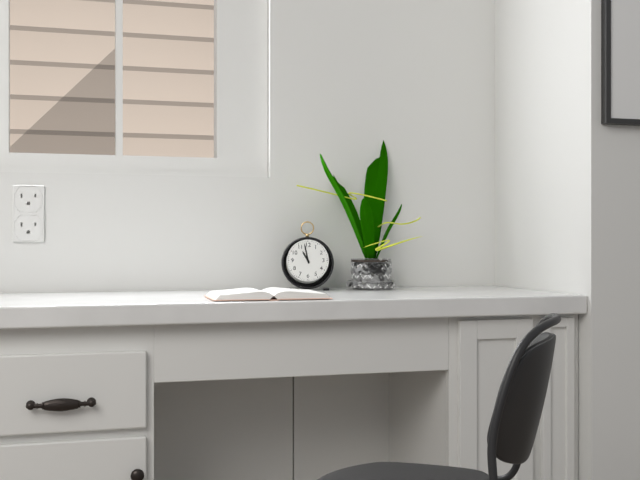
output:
10:58
